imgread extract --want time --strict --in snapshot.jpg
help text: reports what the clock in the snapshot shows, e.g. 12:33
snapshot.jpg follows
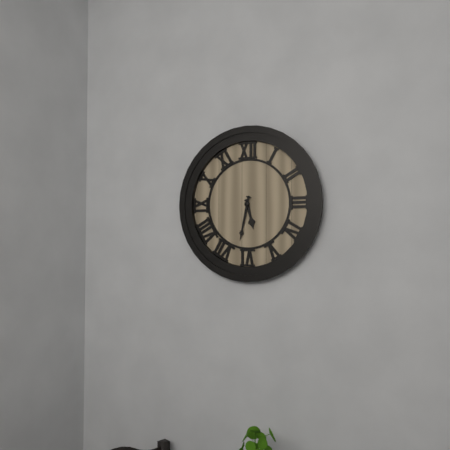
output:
5:32
